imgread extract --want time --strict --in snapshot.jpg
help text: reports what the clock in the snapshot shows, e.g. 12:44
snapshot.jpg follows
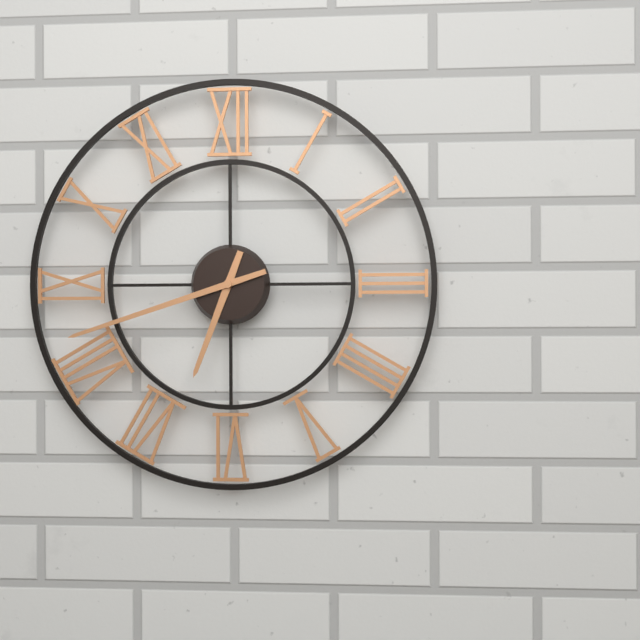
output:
6:42
